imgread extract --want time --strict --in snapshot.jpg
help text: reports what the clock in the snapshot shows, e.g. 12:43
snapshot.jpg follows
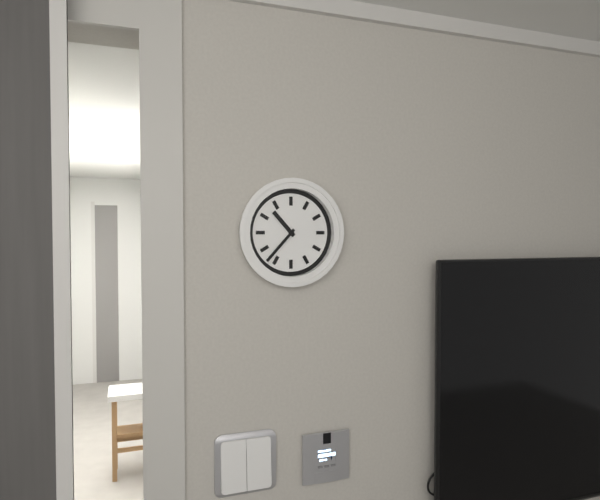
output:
10:37
